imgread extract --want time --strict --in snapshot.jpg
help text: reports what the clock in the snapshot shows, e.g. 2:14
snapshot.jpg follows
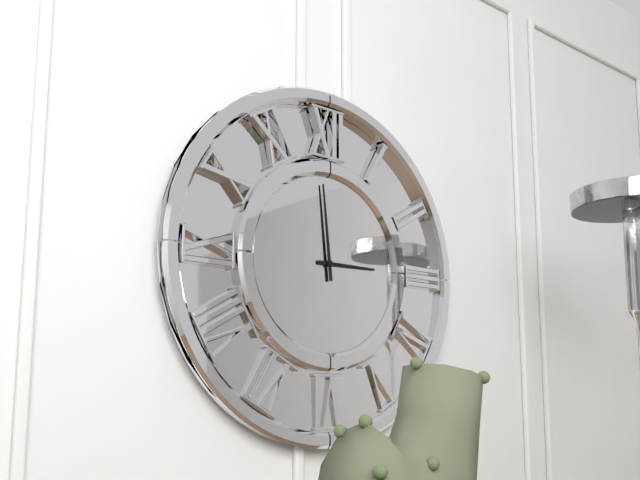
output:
2:59
